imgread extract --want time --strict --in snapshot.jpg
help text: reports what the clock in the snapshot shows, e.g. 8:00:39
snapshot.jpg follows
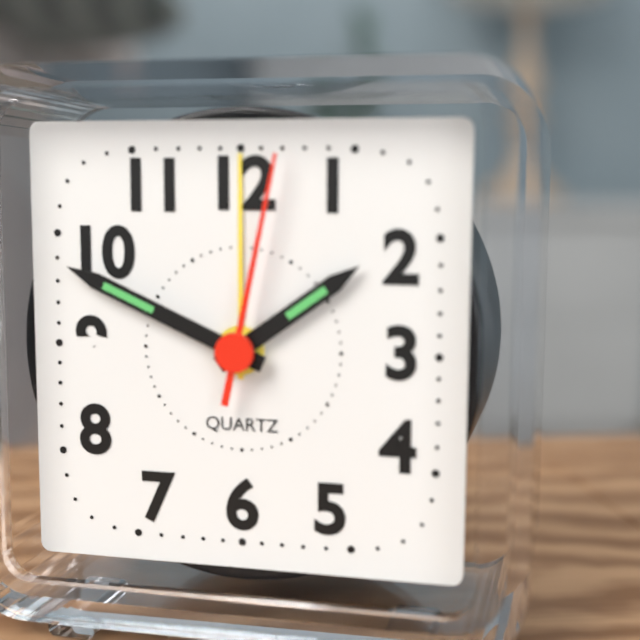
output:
1:49:02
